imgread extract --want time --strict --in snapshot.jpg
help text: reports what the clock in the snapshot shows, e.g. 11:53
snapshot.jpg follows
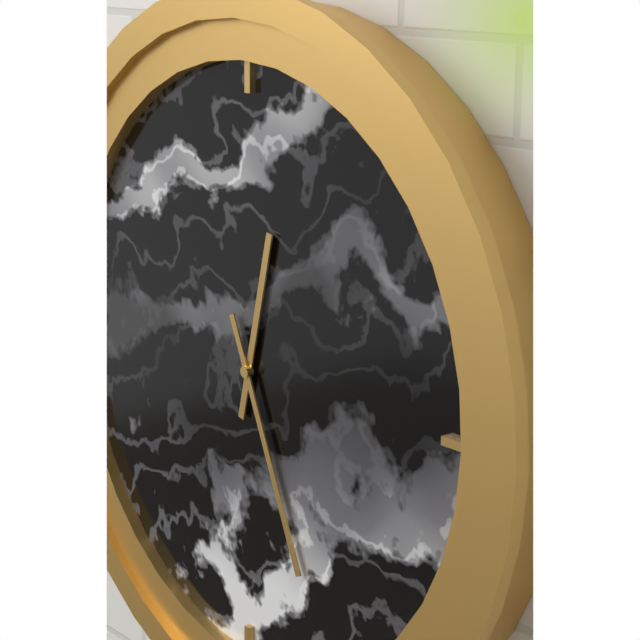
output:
12:26
